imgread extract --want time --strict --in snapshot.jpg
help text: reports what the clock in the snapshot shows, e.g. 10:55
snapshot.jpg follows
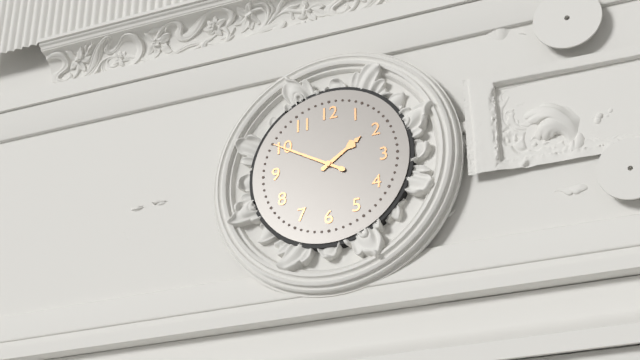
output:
1:50
